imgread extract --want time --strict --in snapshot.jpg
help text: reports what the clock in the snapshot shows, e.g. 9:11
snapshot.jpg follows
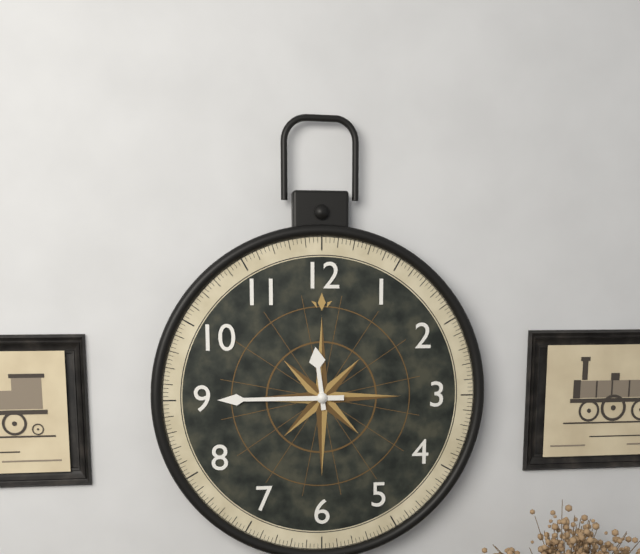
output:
11:45
